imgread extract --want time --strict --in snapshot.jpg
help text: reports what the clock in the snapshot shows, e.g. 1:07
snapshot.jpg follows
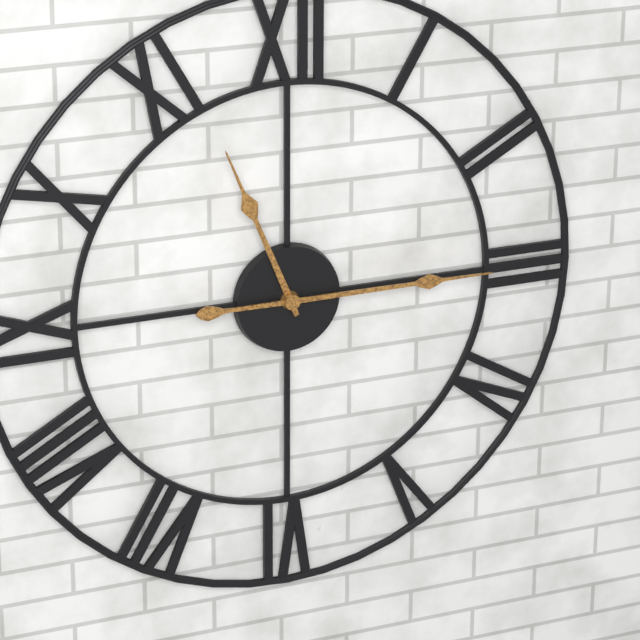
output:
11:15
